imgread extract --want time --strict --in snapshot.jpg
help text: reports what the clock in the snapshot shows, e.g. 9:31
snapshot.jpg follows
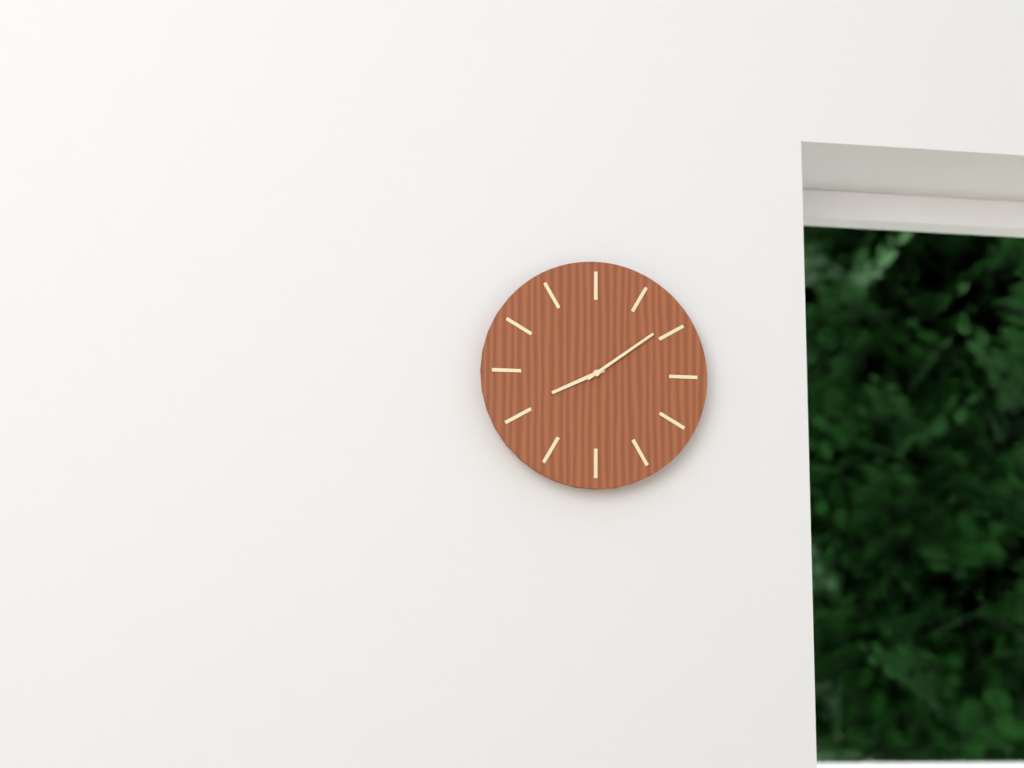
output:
8:09
